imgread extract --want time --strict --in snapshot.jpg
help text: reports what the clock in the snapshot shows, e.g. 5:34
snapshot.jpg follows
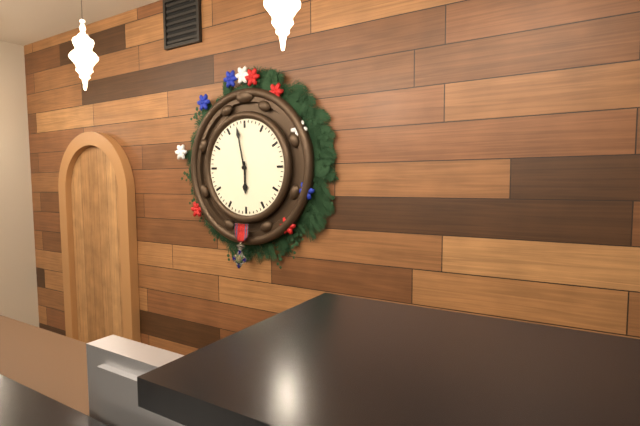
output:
5:58
